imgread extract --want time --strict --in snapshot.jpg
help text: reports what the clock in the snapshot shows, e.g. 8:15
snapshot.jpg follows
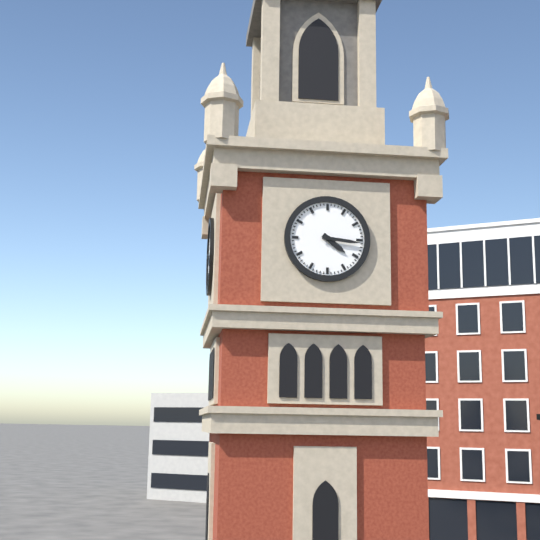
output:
4:16
